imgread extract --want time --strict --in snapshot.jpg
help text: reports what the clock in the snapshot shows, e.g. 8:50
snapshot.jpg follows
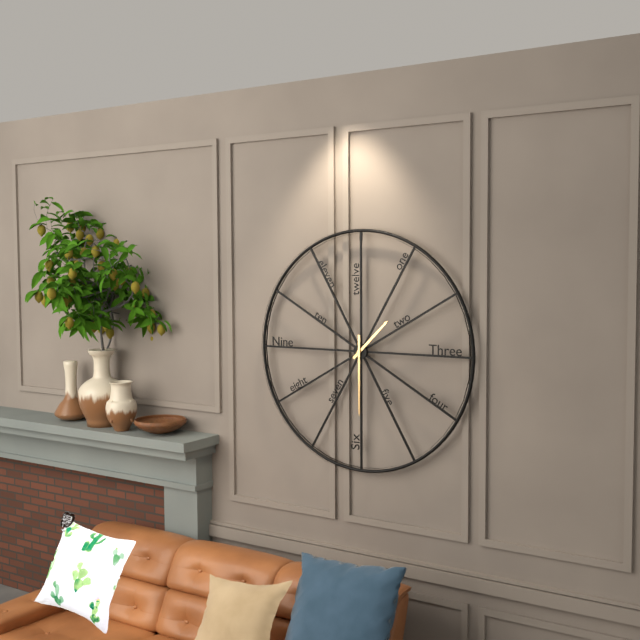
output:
1:30
